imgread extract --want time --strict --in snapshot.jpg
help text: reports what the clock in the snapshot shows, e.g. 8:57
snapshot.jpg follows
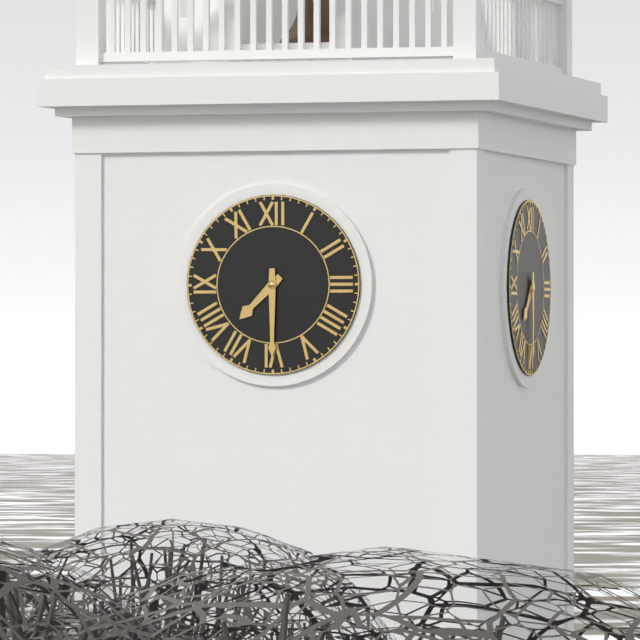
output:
7:30
